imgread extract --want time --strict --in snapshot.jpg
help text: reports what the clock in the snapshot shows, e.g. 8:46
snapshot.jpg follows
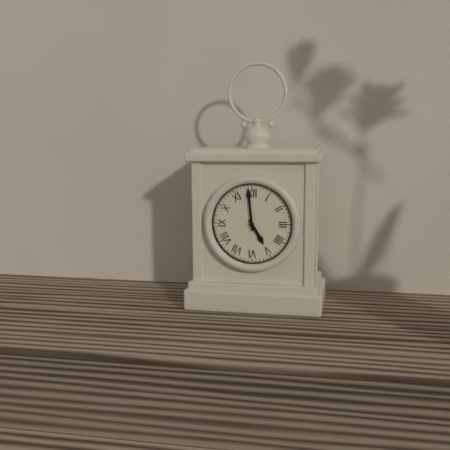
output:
4:59
